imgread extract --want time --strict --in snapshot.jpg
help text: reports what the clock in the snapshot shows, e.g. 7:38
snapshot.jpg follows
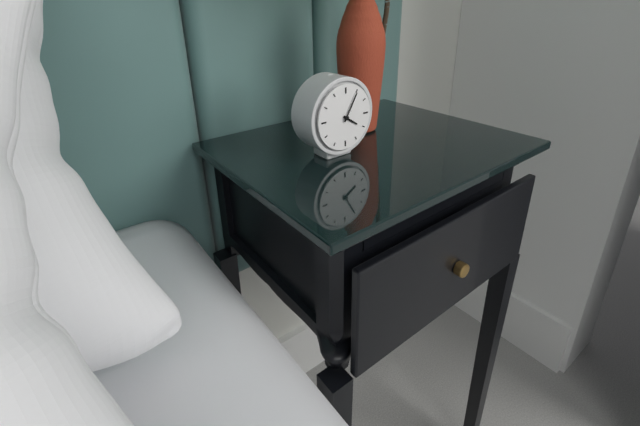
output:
4:05
